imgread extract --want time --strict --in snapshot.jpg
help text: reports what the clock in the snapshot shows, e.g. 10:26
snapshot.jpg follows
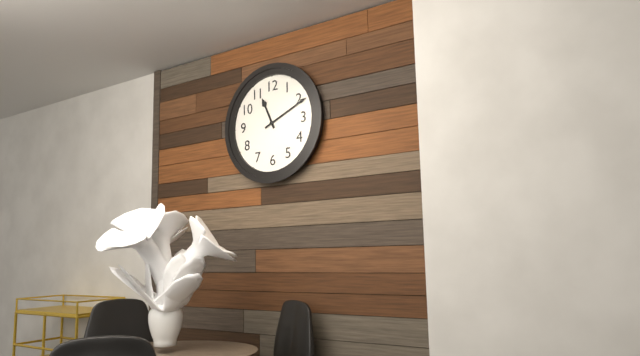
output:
11:11
